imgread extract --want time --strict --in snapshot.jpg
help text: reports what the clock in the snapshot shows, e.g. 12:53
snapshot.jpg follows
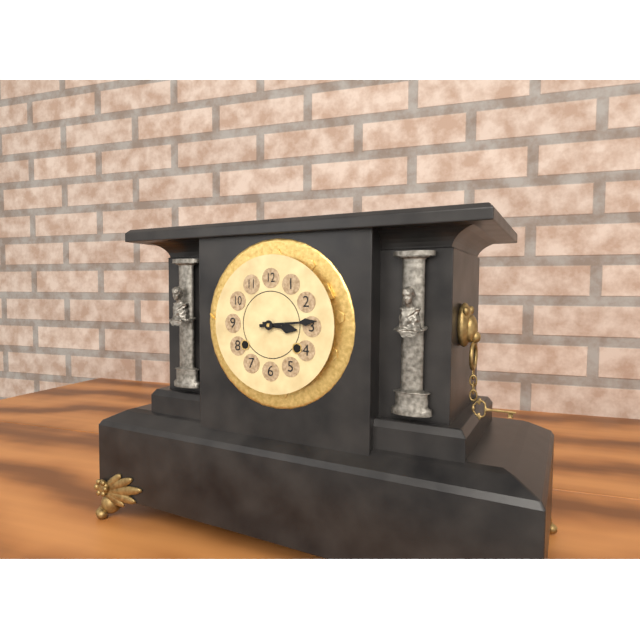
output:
3:14
